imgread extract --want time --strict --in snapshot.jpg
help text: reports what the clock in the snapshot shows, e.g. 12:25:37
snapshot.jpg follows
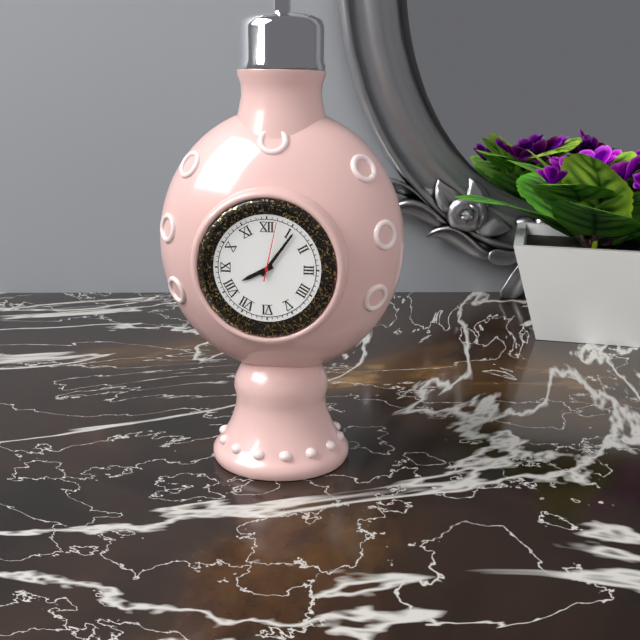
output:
8:06:02
